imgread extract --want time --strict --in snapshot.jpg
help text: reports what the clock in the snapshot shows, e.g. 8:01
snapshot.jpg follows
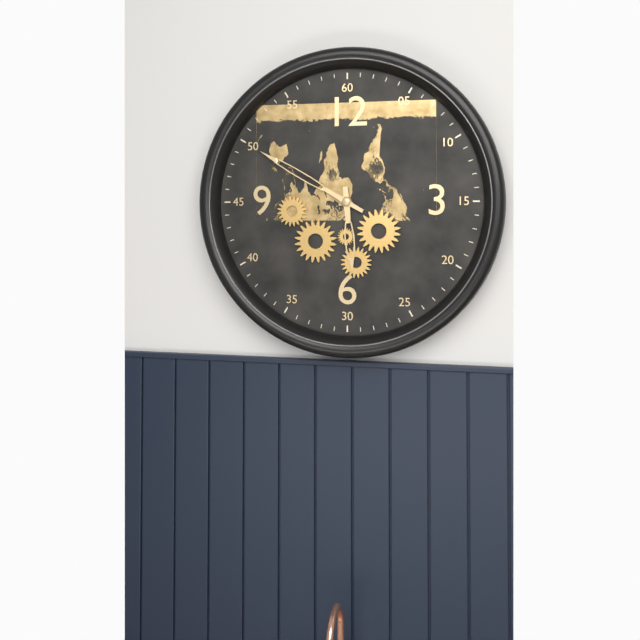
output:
5:50
